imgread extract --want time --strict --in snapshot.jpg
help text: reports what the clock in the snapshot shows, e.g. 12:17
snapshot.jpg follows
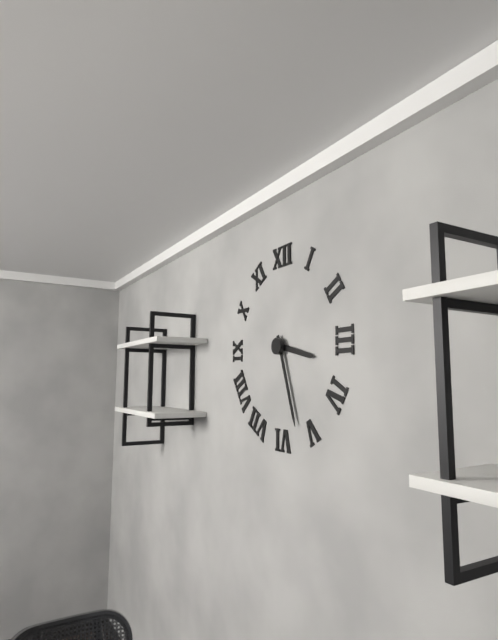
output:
3:27
